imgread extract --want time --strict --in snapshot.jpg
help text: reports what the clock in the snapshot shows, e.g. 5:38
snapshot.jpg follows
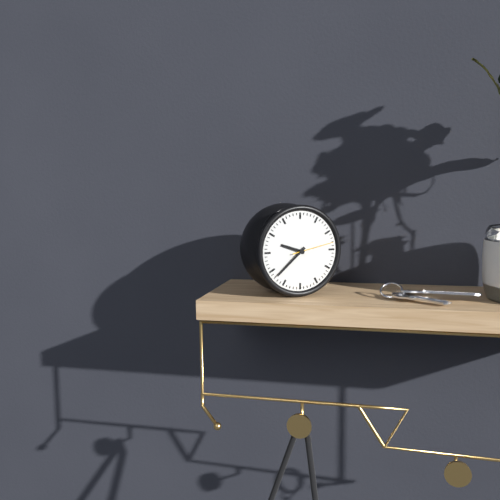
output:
9:38
